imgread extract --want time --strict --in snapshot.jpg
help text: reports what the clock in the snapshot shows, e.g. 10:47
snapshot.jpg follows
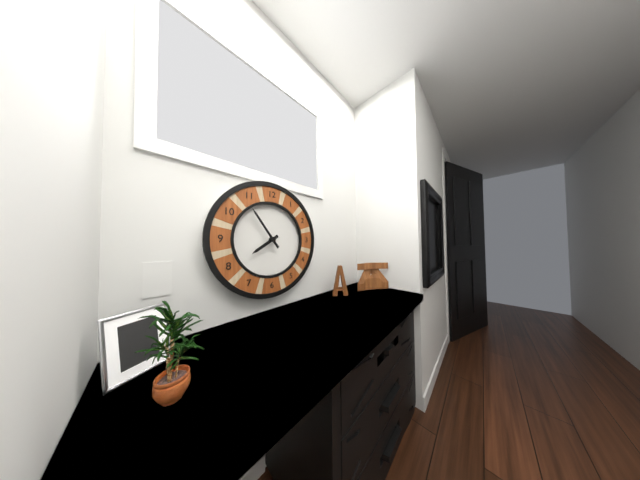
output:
7:54
